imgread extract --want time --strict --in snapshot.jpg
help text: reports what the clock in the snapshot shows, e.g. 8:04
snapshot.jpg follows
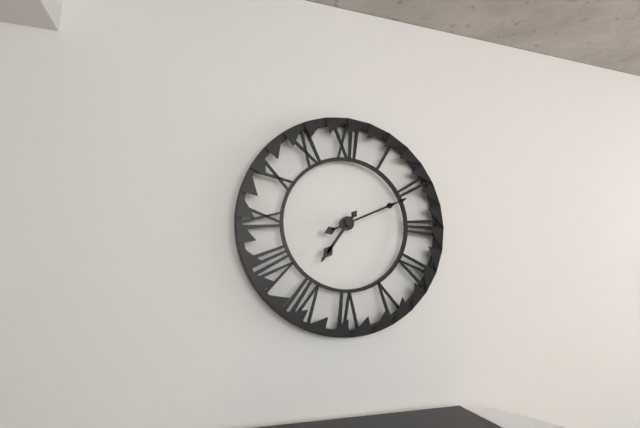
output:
7:11
